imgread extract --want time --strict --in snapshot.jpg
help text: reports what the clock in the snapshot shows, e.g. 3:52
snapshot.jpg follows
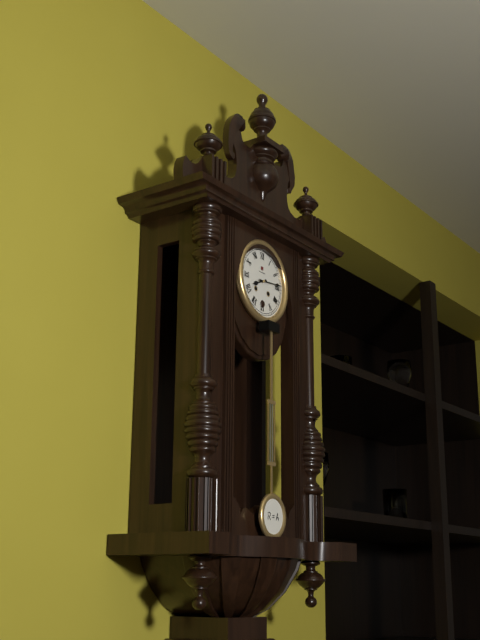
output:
8:14
